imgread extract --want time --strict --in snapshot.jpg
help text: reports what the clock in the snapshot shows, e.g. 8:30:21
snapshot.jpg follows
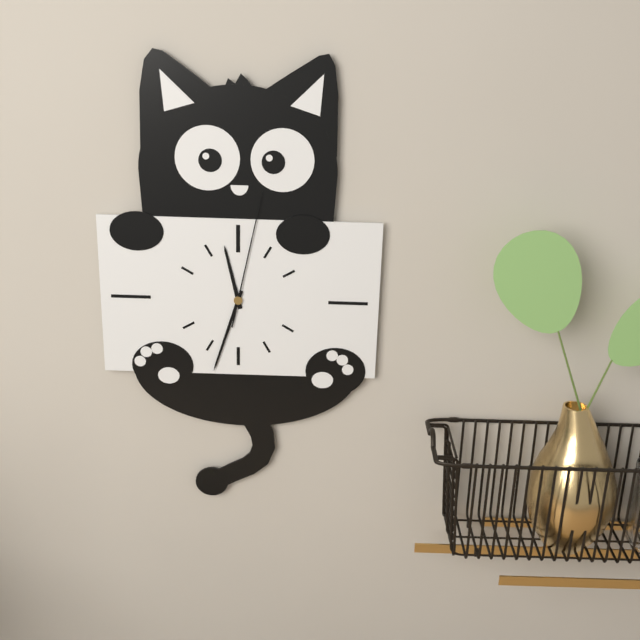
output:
11:33:02
